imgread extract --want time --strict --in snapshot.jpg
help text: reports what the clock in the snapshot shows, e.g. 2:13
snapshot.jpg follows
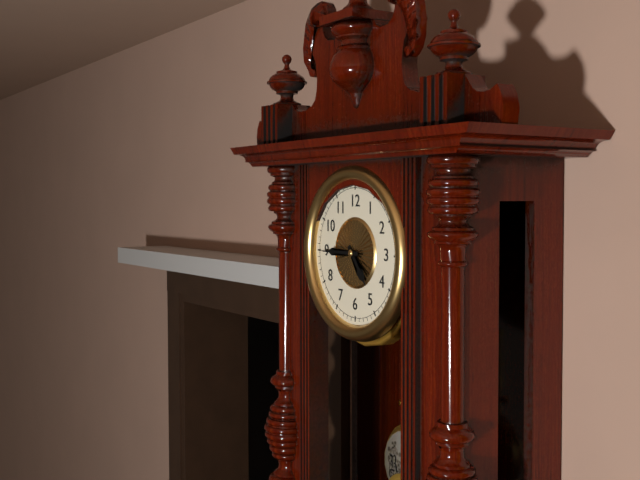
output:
4:45
